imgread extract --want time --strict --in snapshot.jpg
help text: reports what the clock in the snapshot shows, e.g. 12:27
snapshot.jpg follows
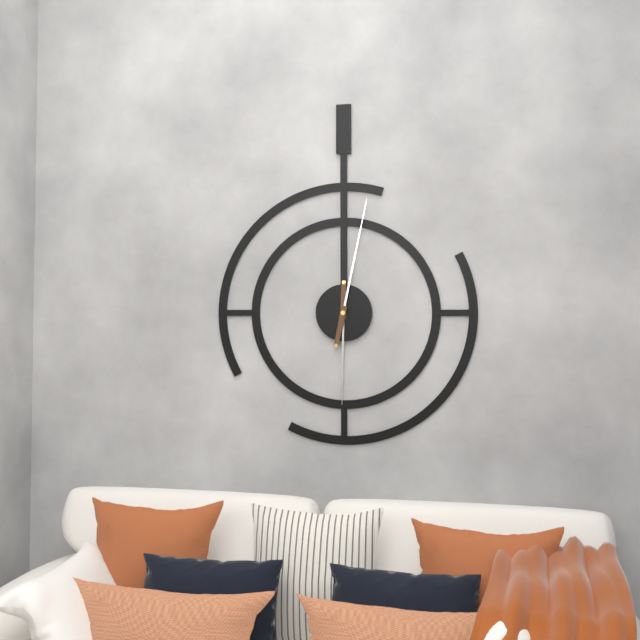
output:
6:02
